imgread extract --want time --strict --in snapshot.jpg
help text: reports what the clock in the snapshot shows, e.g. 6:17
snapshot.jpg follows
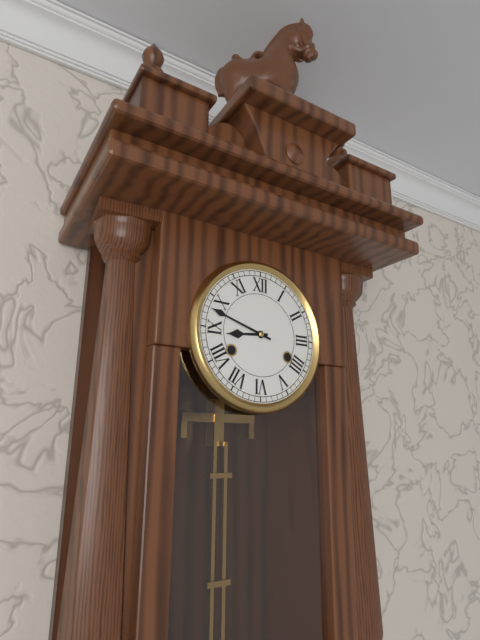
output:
8:48
